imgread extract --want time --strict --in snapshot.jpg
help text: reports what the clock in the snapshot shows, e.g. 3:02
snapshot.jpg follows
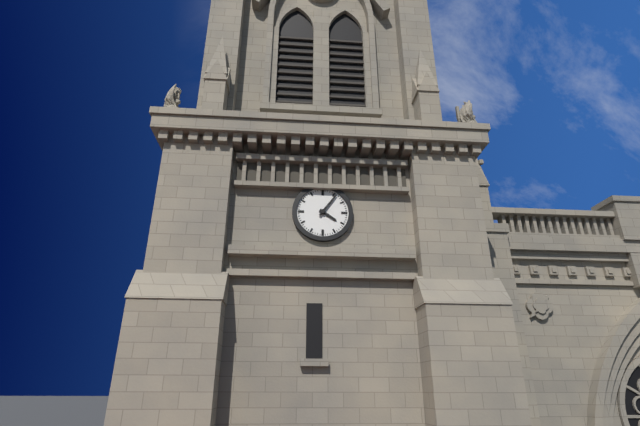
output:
4:06
